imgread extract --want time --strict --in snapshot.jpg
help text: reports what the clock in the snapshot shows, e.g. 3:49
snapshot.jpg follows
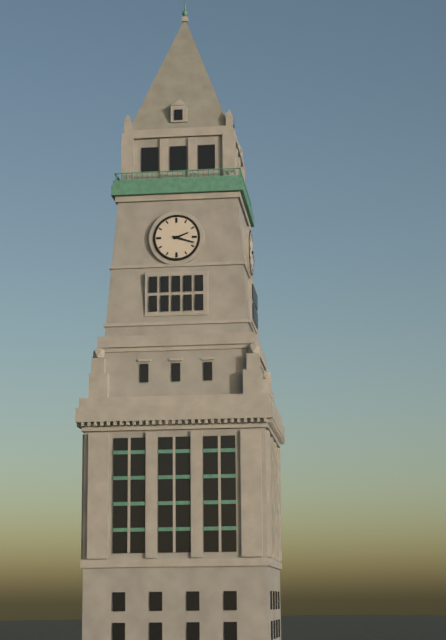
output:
2:18
